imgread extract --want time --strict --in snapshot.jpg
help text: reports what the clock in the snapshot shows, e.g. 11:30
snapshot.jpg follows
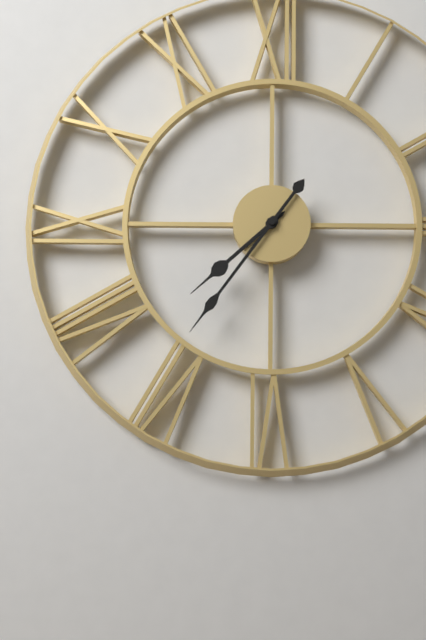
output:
7:36
